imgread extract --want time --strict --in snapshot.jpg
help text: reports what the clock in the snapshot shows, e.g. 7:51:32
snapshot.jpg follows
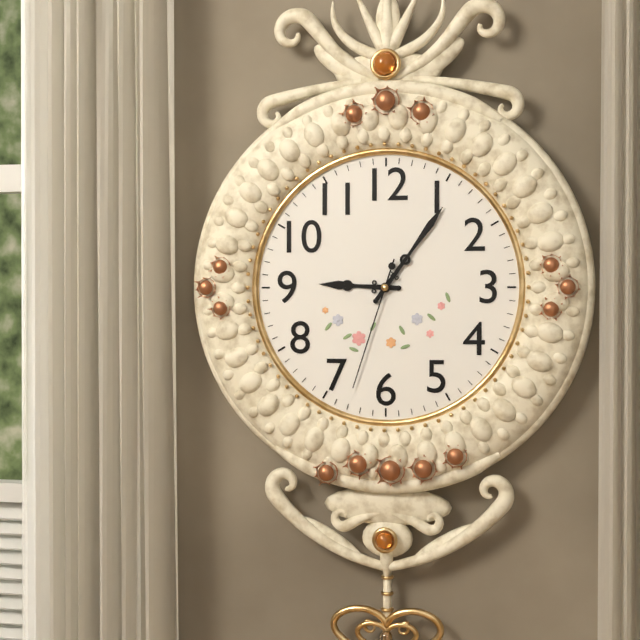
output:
9:06:33
